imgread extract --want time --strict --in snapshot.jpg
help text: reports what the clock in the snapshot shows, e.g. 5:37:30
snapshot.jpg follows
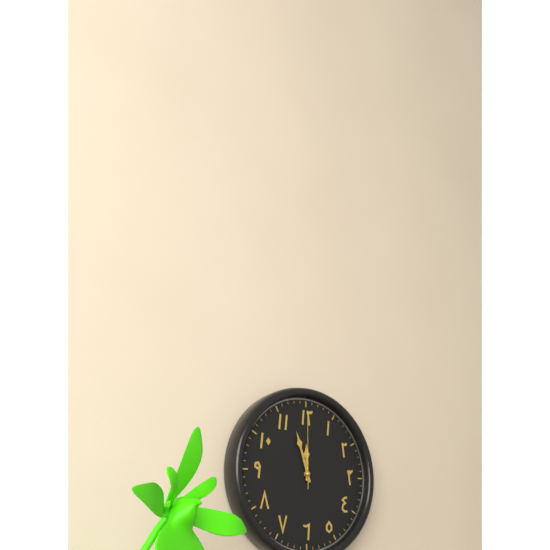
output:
11:57:00
